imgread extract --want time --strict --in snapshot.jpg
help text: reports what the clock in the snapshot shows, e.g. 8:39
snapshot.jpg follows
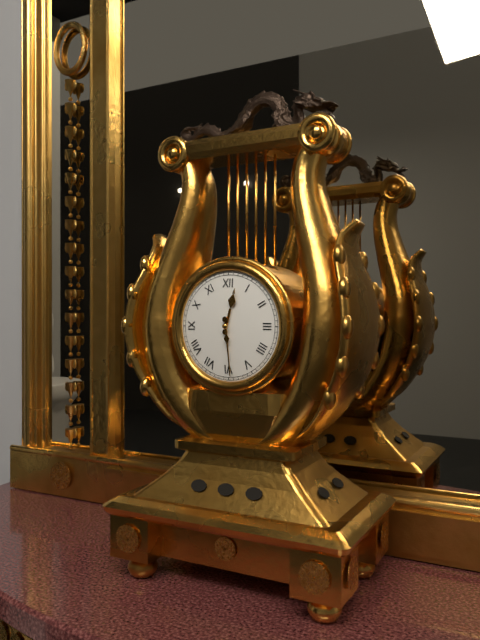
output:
12:29
